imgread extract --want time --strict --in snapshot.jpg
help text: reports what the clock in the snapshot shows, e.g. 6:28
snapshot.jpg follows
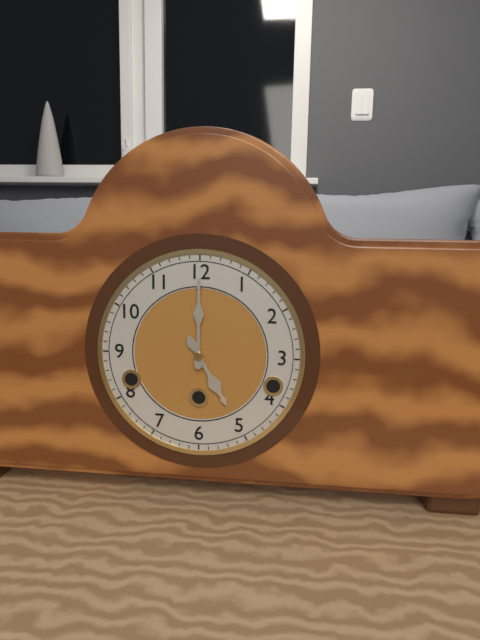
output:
5:00
